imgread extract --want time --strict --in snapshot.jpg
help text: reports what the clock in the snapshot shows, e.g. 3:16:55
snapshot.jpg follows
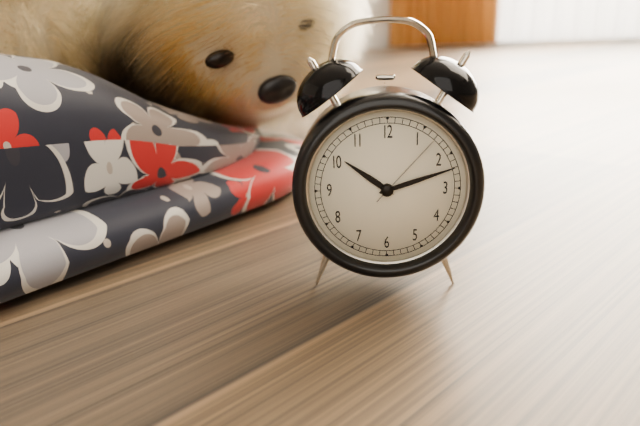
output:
10:12:07
